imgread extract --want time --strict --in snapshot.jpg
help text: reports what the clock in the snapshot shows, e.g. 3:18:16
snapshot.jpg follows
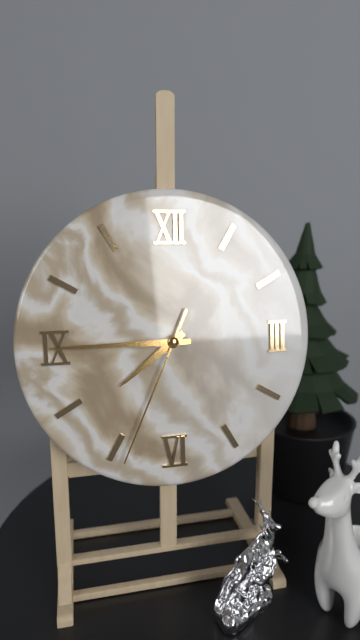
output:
7:45:34
